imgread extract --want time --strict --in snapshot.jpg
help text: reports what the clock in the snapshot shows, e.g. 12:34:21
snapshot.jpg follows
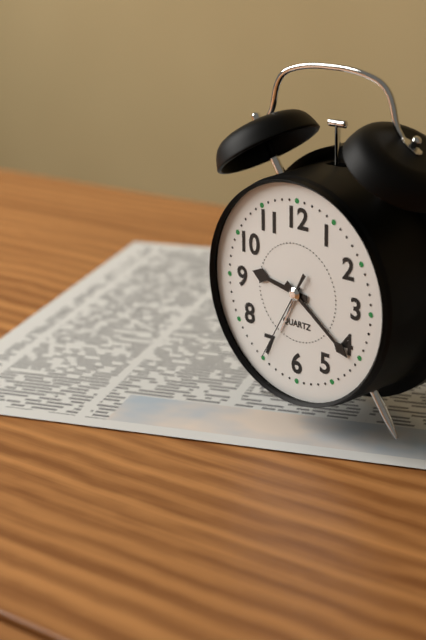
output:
9:21:35
